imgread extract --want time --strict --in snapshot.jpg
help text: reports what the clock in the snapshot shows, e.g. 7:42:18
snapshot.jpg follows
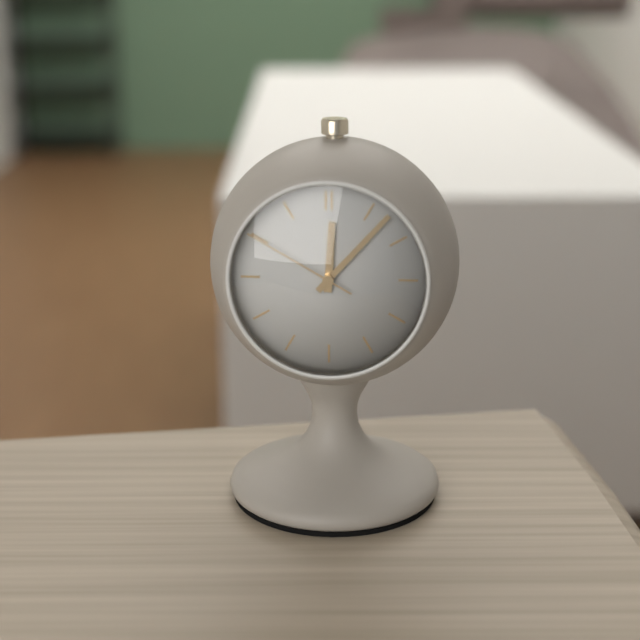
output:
12:07:50
